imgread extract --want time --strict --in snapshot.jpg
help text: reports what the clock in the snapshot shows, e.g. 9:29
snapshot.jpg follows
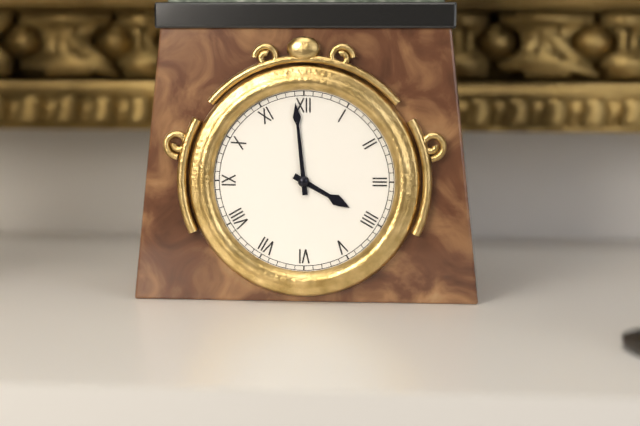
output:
3:59
